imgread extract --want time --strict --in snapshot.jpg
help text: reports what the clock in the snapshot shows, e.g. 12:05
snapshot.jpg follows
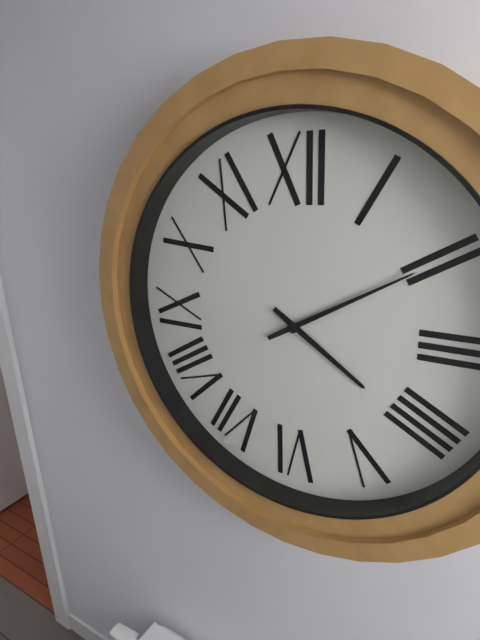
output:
4:10
